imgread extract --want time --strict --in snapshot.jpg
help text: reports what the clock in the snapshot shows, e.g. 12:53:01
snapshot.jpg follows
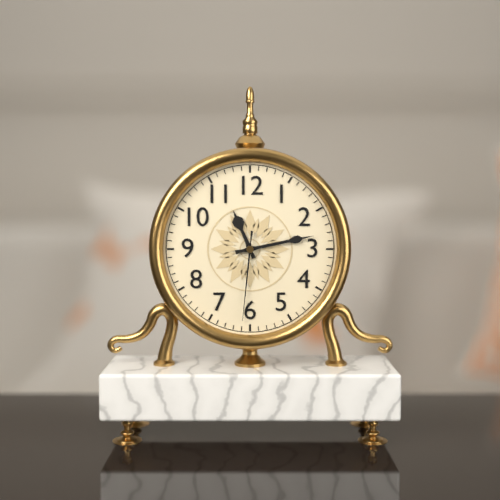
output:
11:13:31
